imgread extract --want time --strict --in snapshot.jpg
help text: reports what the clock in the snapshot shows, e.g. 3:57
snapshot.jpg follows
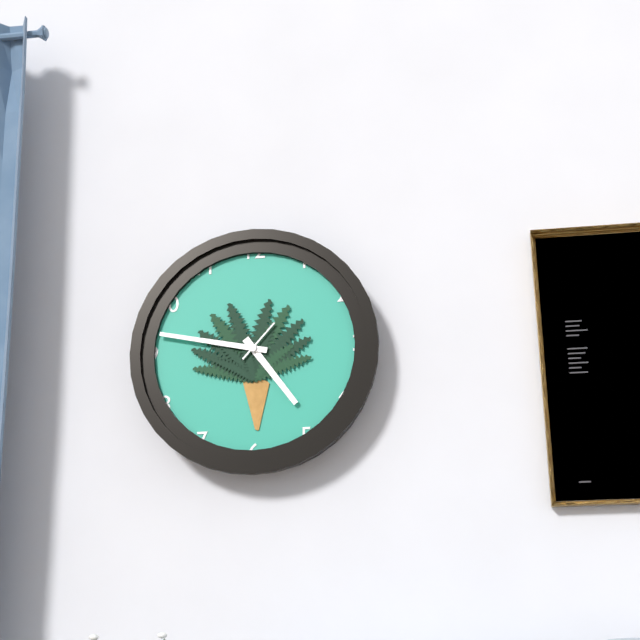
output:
4:47
